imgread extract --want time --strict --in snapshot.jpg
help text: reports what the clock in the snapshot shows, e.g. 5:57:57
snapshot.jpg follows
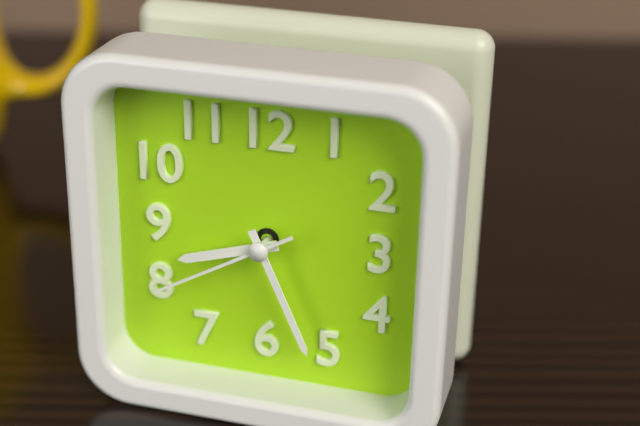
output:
8:26:40
